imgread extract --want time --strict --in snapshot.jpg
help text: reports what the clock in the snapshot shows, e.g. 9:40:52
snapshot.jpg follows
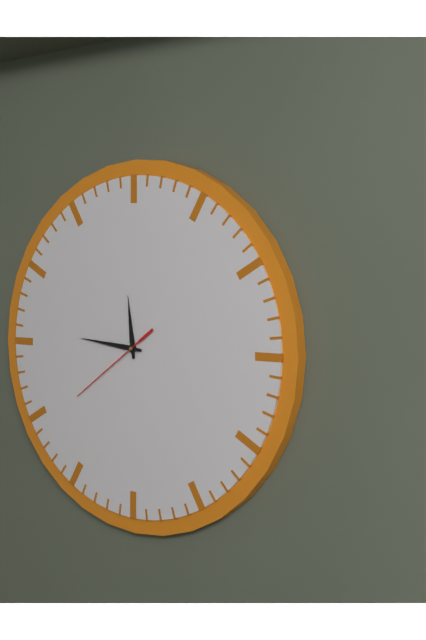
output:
11:46:39
